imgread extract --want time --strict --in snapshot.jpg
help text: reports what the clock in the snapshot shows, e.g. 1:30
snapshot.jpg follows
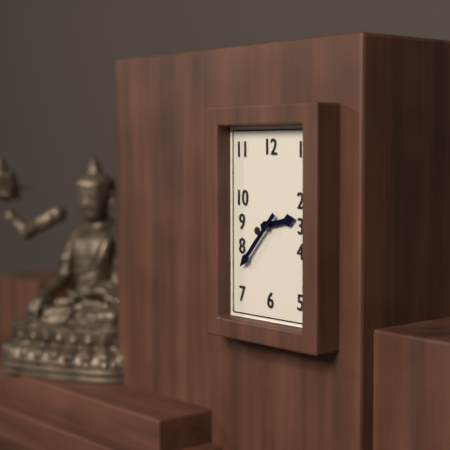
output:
2:37
